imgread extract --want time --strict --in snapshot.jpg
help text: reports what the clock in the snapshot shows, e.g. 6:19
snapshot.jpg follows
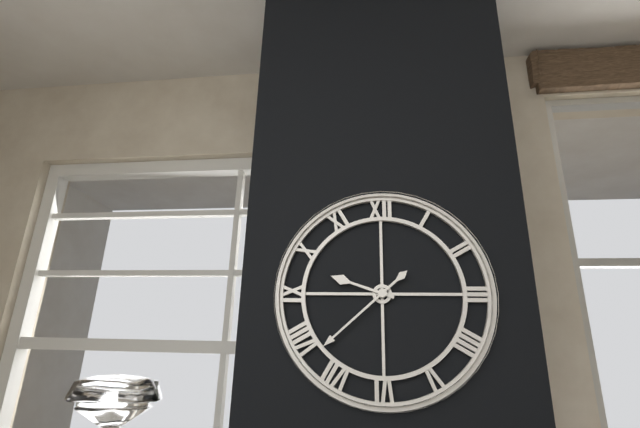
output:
9:38
